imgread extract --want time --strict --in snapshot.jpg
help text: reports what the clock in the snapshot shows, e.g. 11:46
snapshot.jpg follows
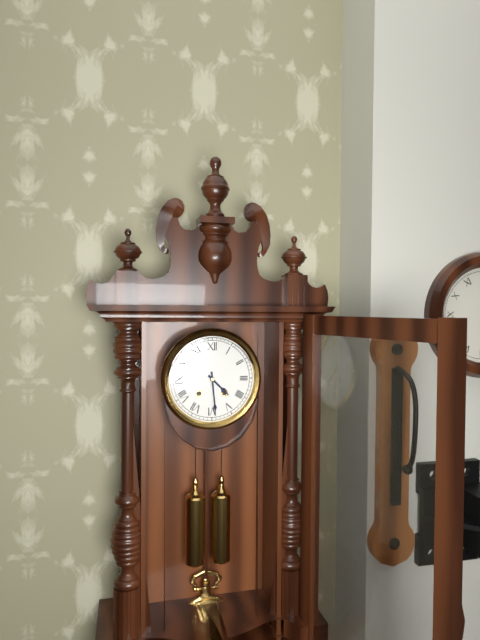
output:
4:29
